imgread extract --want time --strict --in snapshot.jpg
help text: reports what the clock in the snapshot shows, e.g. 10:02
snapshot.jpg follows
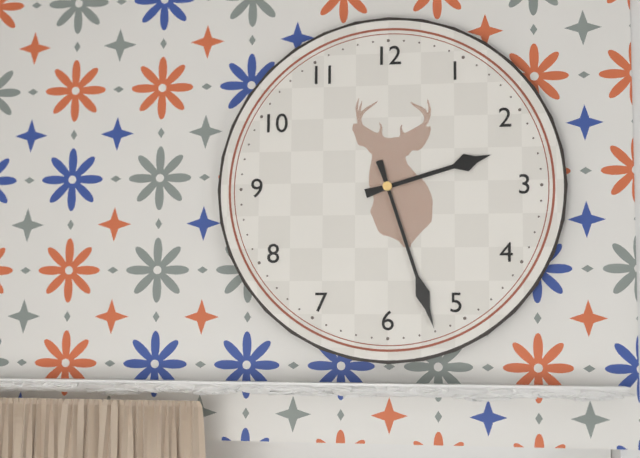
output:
2:27
